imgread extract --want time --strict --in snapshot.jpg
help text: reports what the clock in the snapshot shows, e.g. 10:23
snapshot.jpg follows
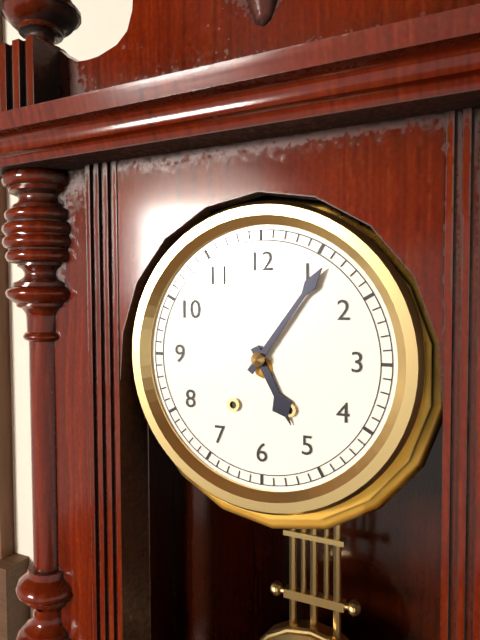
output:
5:06
